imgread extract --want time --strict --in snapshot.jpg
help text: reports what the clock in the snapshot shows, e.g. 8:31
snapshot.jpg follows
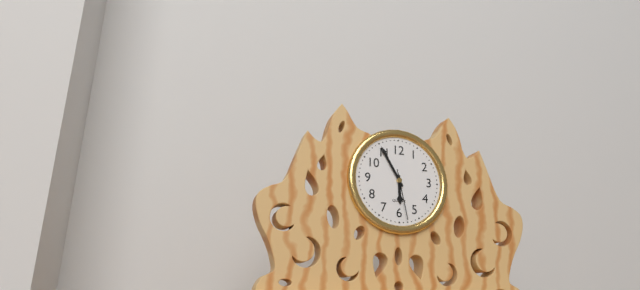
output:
5:55
